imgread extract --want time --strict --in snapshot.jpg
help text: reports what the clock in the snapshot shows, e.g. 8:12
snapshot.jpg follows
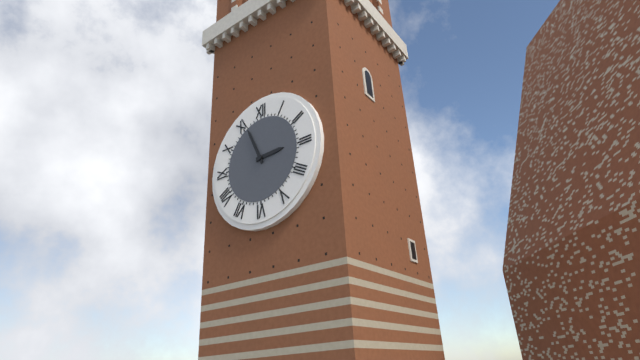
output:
2:56
